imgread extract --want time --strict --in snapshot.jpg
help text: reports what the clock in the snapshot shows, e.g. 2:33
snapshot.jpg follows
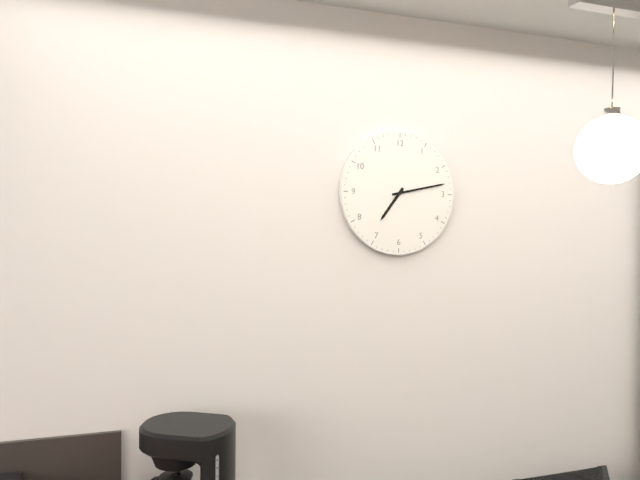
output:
7:13
